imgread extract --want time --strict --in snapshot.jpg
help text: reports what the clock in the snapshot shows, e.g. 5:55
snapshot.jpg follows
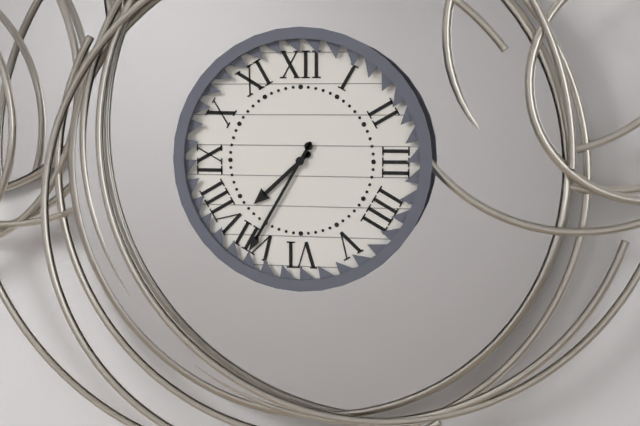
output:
7:35
